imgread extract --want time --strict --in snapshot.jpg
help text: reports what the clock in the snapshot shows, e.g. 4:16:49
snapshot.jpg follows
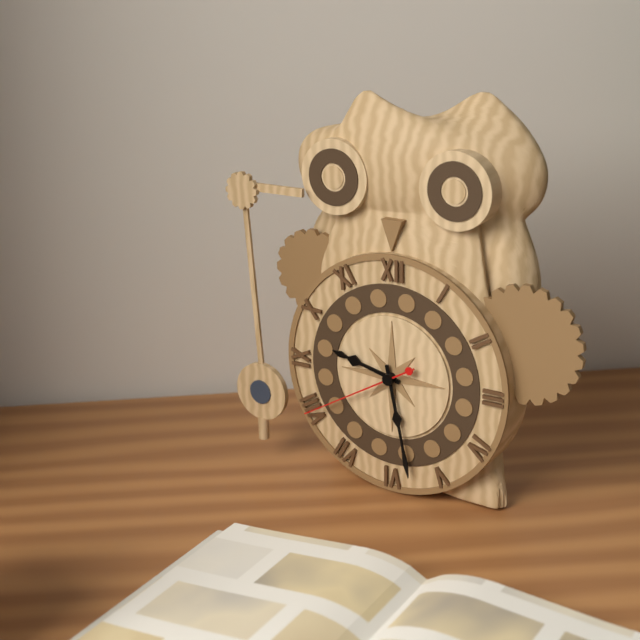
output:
9:28:40
